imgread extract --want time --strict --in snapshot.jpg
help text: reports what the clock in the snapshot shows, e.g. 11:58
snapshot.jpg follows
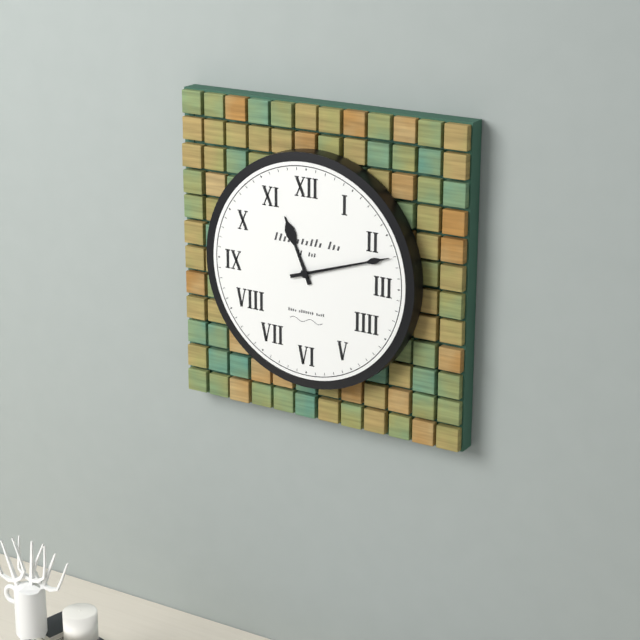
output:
11:12
